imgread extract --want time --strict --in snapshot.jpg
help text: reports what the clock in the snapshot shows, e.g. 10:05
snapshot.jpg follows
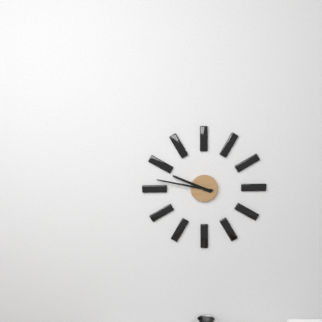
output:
9:47
